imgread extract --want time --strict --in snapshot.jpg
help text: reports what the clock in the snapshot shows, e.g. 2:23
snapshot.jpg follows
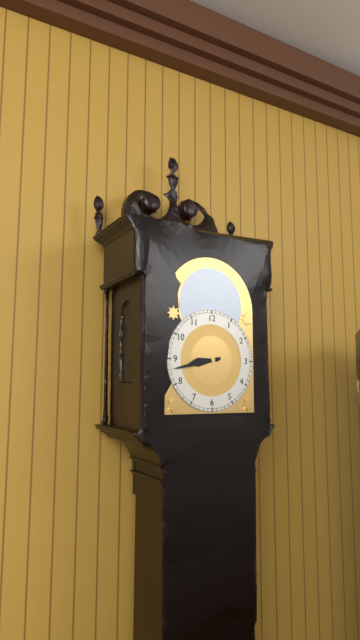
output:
8:43
